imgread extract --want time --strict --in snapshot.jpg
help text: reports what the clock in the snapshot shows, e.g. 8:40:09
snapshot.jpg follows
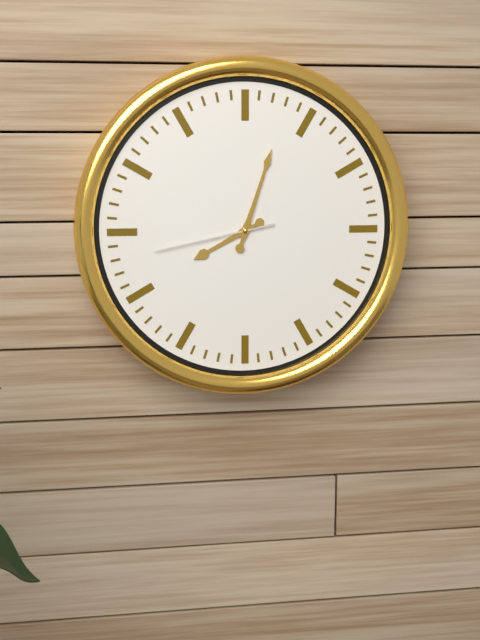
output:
8:03:43
